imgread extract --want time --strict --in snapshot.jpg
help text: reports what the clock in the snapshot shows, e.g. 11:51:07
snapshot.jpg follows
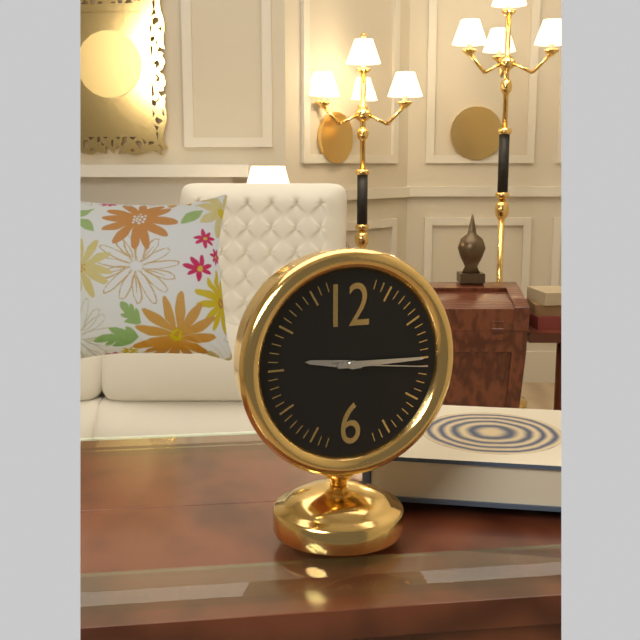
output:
9:15:16
